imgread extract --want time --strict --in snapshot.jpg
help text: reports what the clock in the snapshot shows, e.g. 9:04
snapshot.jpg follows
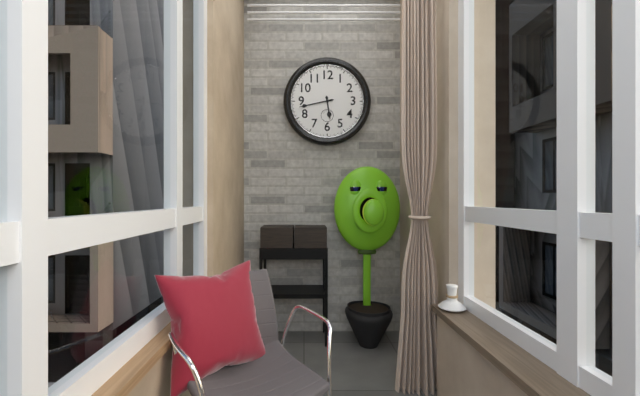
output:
5:43
